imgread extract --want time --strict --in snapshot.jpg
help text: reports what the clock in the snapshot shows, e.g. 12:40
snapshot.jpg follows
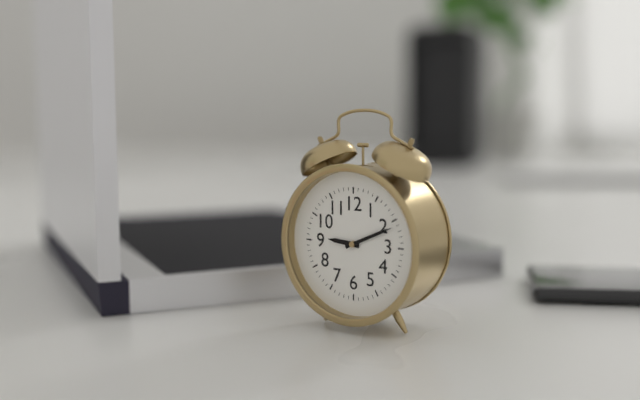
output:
9:11
